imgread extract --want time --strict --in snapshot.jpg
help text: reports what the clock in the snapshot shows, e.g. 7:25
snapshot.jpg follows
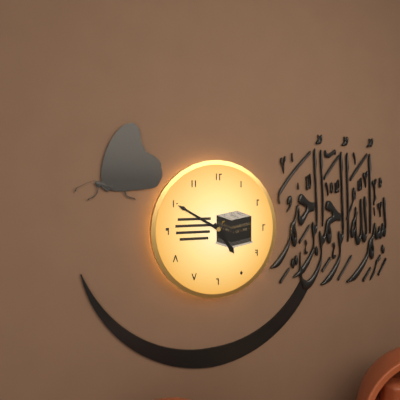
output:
4:50
